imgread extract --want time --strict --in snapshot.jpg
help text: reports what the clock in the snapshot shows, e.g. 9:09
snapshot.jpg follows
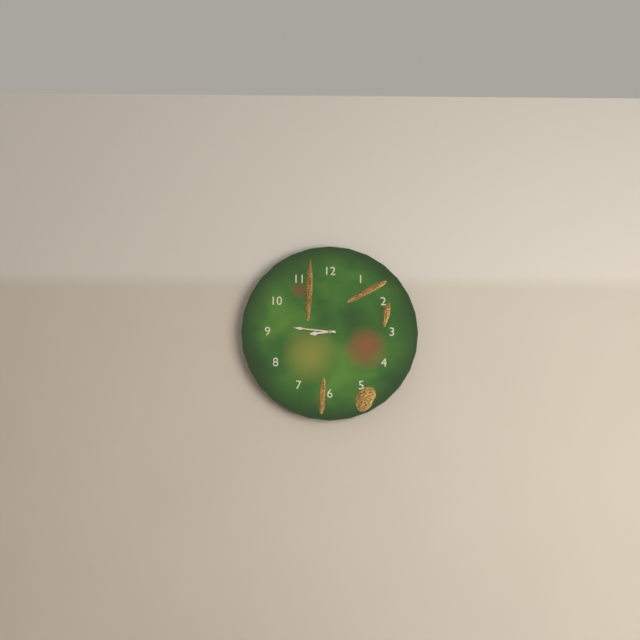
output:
8:46
